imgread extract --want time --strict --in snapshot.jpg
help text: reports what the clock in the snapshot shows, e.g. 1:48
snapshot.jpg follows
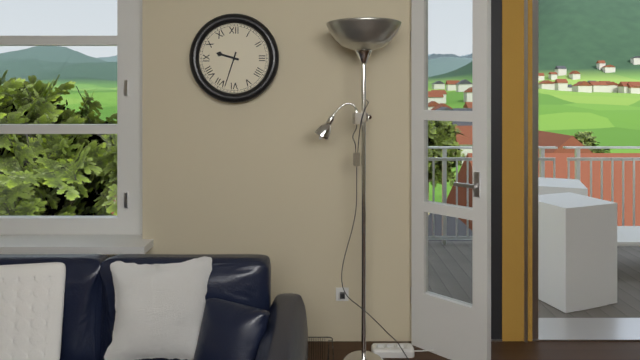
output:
9:33
